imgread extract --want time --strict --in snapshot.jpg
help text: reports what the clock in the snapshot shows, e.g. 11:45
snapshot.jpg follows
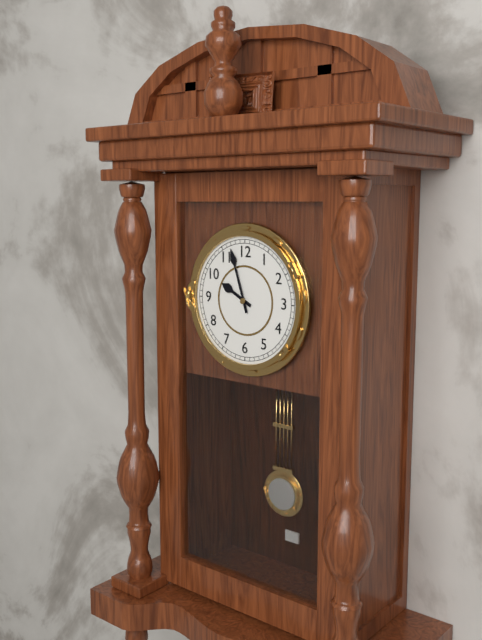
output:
9:57
